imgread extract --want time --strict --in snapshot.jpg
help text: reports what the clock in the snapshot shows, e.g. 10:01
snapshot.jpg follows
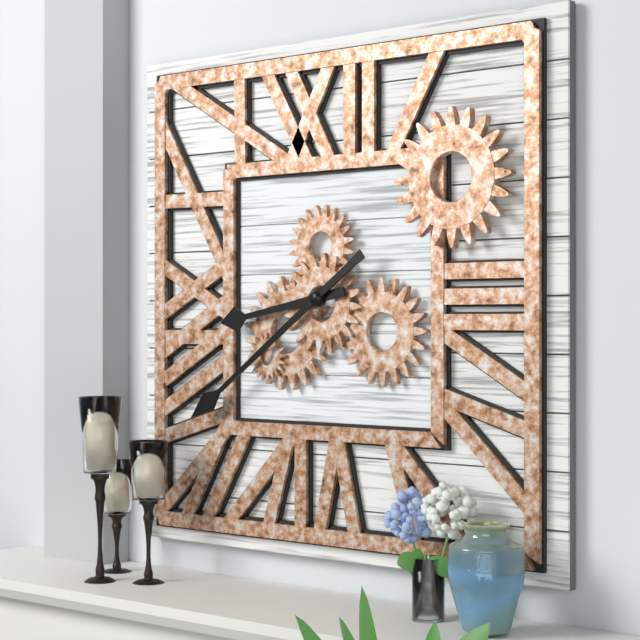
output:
8:39
